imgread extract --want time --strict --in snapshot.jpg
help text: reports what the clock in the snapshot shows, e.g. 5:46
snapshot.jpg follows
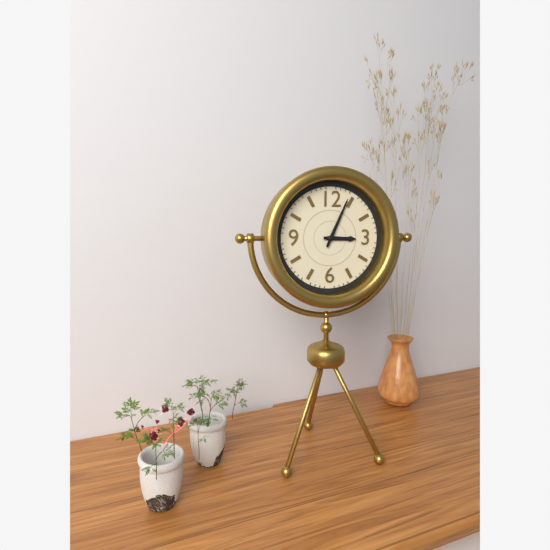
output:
3:04
